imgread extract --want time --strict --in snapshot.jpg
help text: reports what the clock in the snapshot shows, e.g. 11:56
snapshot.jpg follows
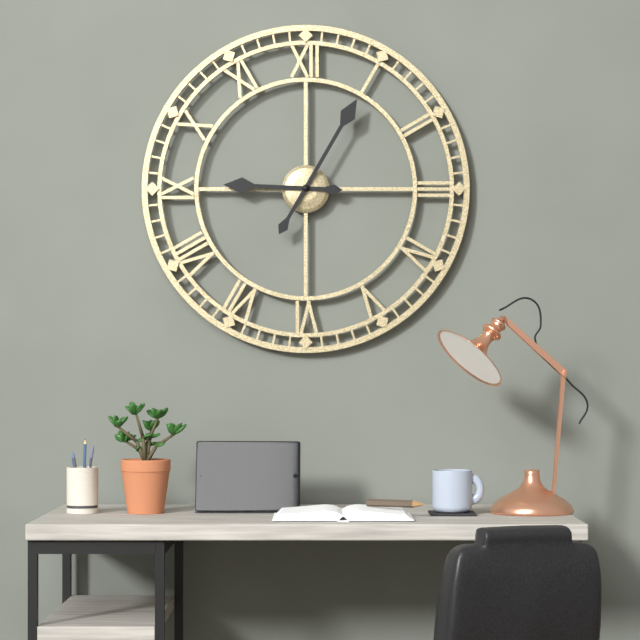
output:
9:05
